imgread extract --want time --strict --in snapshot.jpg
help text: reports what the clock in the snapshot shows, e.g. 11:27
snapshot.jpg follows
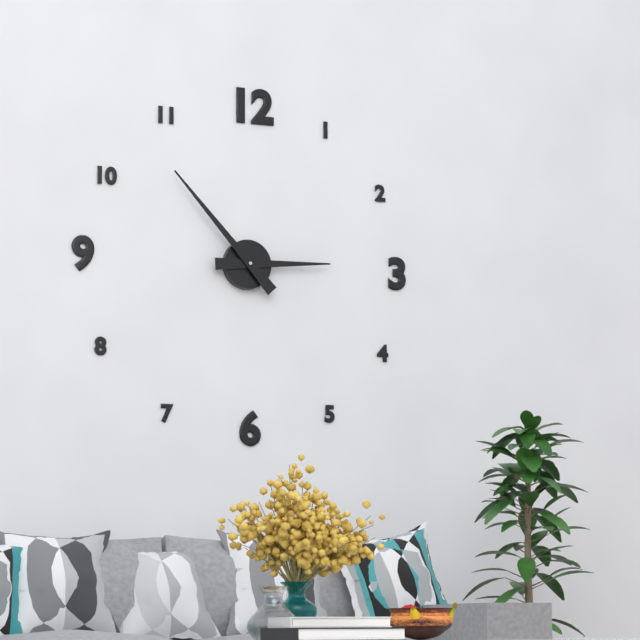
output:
2:53
